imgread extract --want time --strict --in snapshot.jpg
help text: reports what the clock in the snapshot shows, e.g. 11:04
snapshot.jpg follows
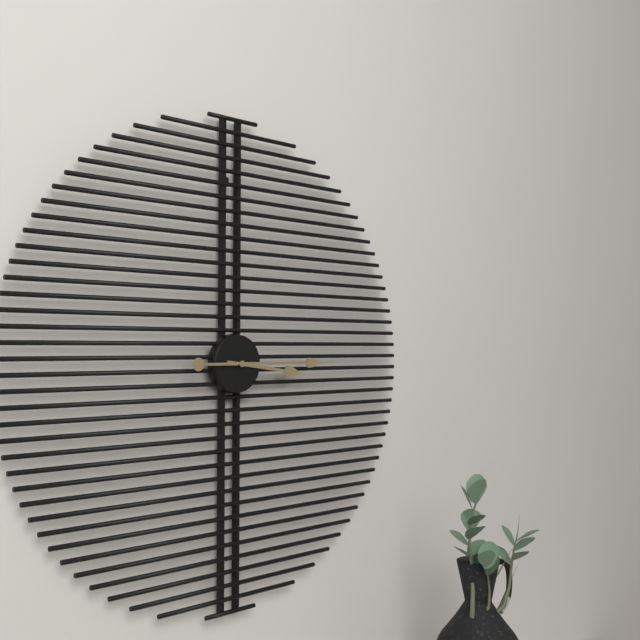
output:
3:15
